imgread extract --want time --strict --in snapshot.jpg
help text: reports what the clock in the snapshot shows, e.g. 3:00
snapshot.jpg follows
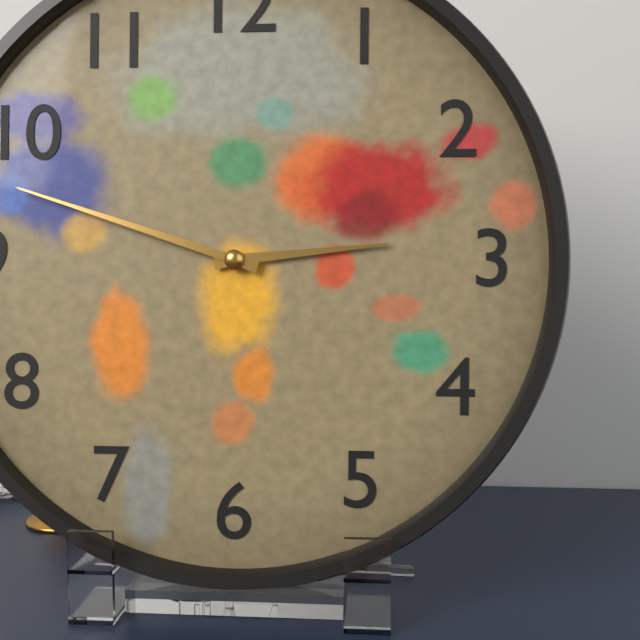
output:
2:48
